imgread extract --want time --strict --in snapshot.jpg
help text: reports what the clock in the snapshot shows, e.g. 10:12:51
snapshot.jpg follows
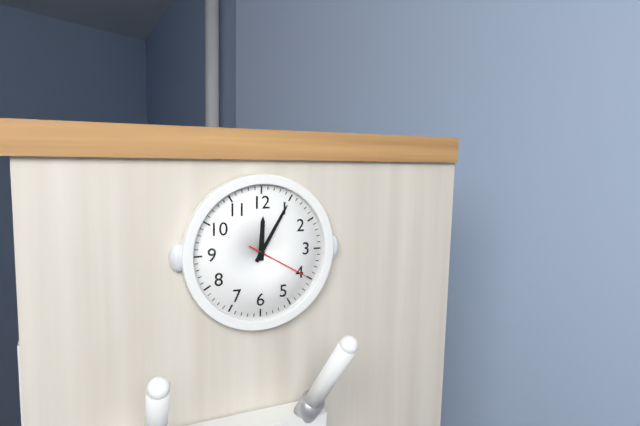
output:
12:05:20
